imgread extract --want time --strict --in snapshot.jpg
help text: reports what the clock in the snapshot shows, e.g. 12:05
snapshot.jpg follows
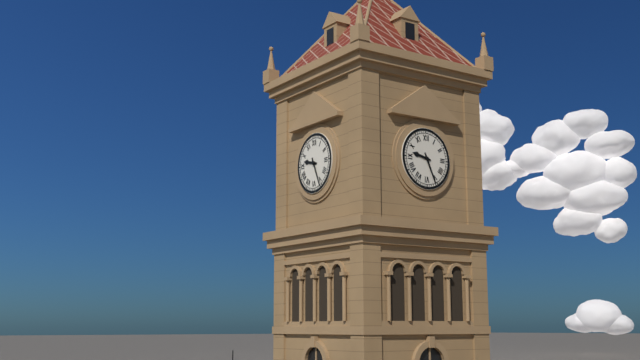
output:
9:26
